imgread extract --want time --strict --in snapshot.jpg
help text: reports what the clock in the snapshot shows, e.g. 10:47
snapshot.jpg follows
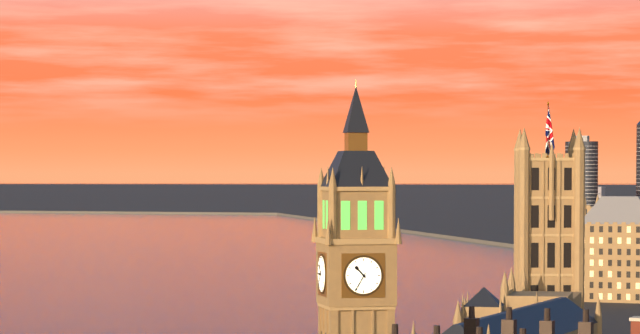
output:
10:35
